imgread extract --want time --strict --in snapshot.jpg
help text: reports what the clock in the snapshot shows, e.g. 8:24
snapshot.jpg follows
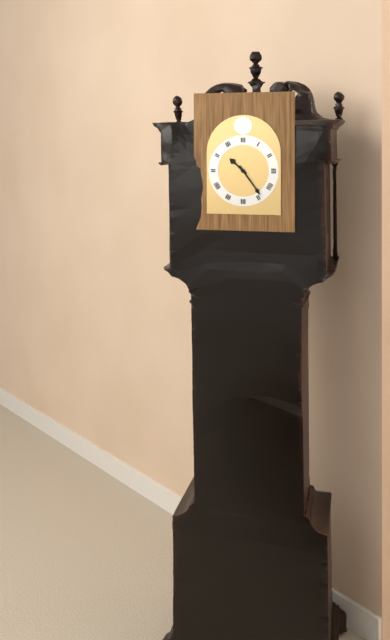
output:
10:24
